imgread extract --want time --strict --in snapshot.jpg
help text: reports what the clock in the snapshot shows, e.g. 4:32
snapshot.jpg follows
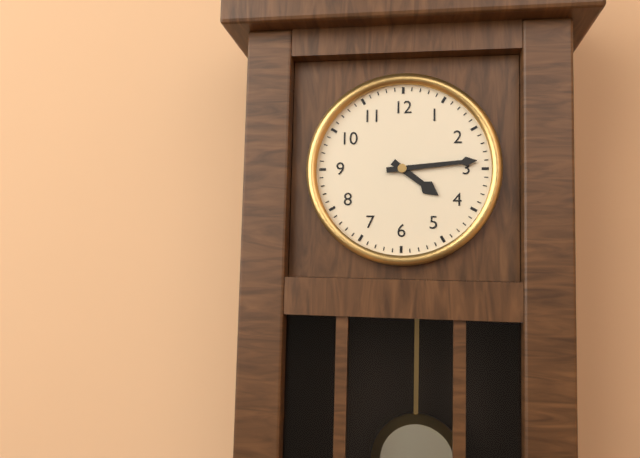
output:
4:14
